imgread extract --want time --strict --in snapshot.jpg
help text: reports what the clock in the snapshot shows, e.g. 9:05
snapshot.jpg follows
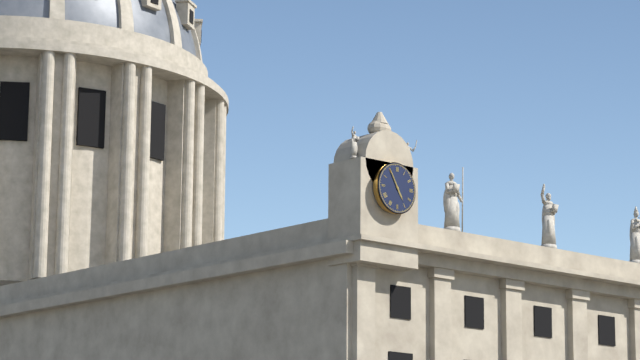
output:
4:55
